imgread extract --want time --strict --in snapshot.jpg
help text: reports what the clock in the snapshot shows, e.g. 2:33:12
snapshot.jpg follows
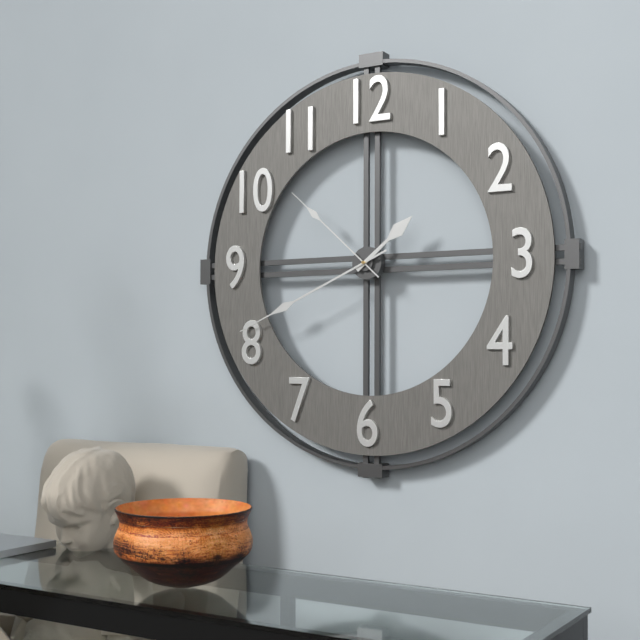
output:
1:41:52
